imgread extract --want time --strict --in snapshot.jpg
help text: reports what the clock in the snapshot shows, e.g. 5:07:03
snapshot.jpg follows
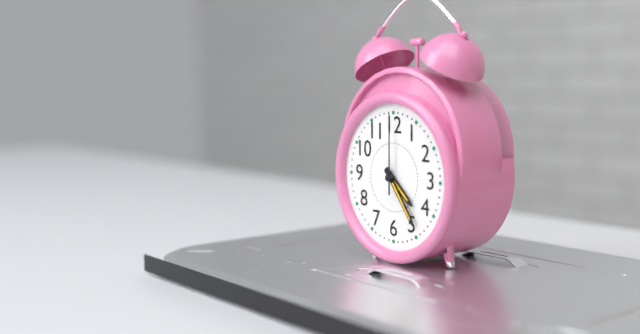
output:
4:24:00
